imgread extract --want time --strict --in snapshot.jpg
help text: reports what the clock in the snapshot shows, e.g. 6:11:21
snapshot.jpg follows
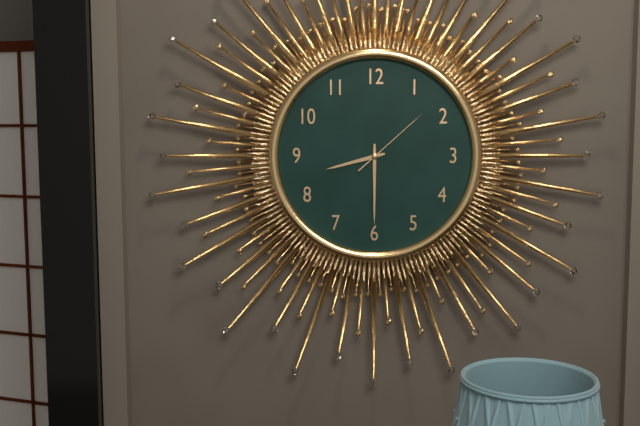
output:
8:30:08
